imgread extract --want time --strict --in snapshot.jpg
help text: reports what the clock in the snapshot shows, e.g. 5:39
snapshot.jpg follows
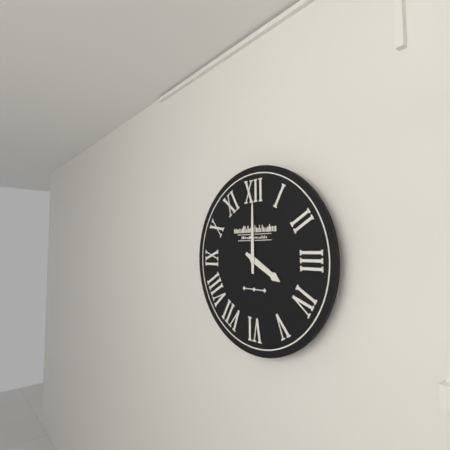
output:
4:00
